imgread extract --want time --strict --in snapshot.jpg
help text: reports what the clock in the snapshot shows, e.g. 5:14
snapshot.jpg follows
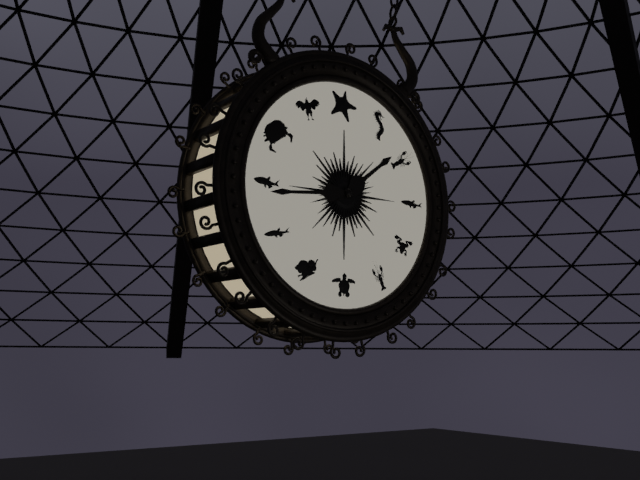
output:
1:44
